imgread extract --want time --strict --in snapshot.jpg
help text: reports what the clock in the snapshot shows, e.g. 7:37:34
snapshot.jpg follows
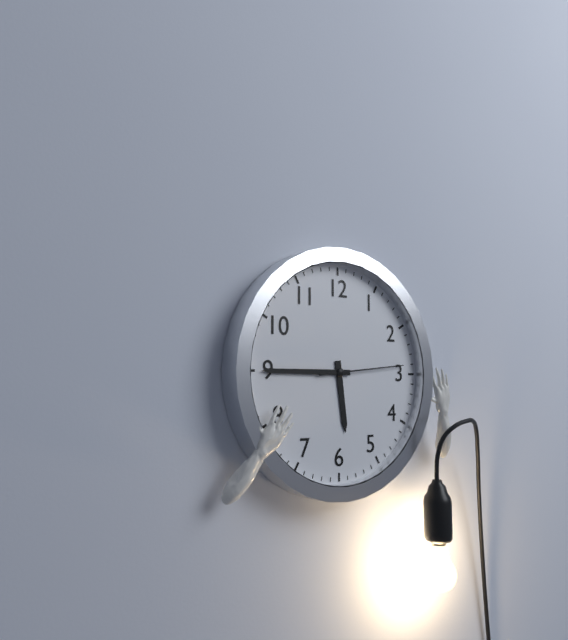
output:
5:45:14
